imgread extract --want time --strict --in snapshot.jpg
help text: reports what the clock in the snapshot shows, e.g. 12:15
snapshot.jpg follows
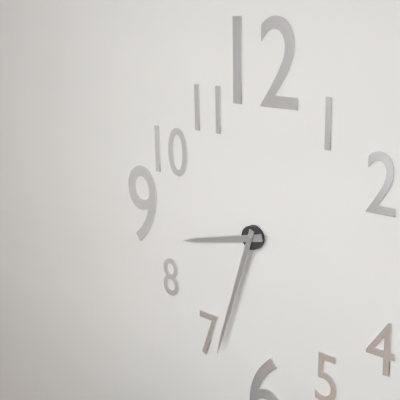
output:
8:33
